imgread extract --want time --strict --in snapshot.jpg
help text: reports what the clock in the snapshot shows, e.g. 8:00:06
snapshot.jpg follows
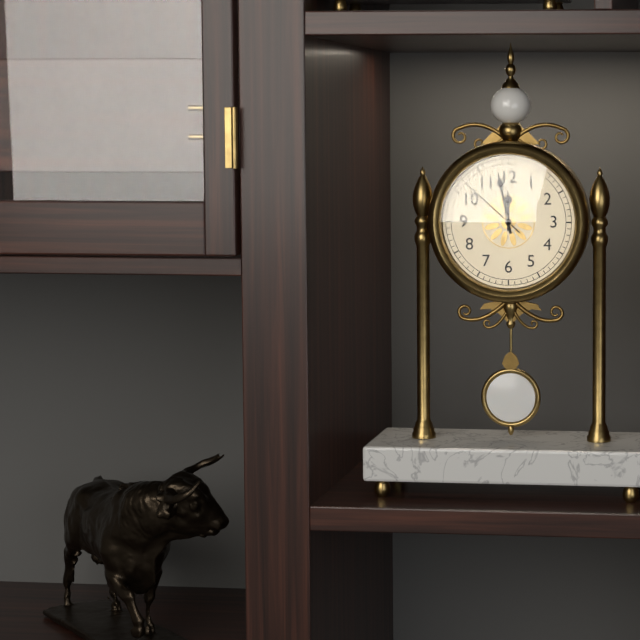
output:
11:58:52
